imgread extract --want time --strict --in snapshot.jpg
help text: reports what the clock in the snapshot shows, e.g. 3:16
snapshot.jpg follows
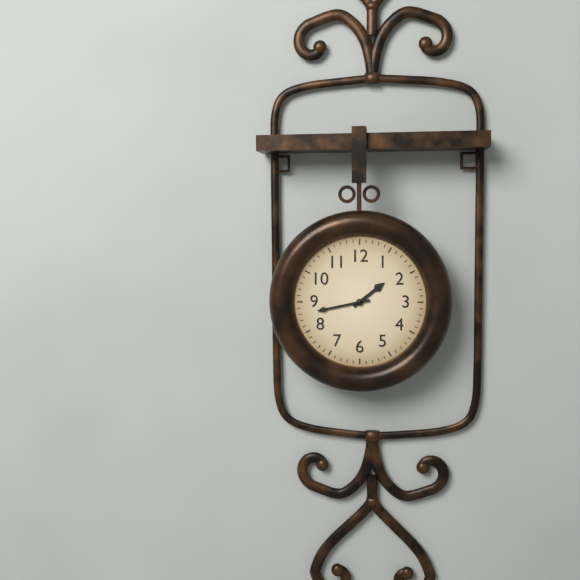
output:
1:43
